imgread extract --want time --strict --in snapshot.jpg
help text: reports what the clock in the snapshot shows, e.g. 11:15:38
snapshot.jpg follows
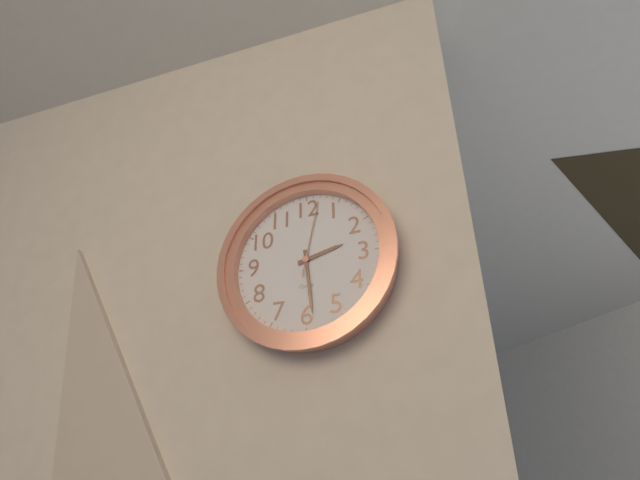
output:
2:29:02
